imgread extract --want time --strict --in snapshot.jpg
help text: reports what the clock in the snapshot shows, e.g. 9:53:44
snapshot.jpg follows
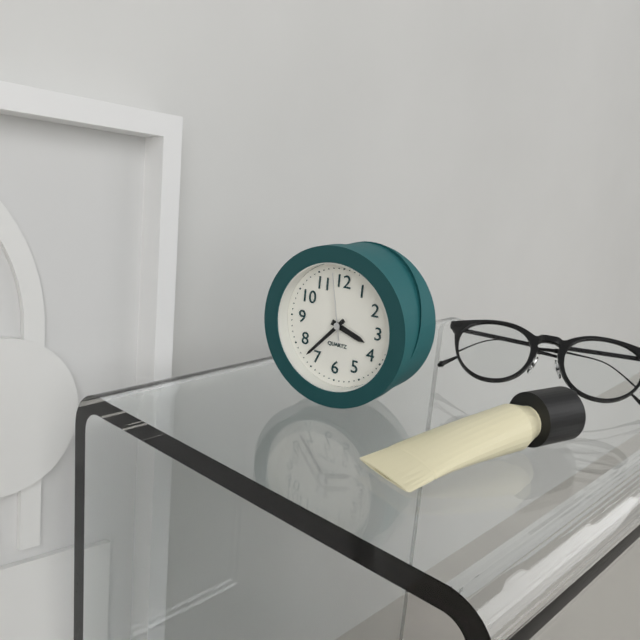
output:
3:37:58
